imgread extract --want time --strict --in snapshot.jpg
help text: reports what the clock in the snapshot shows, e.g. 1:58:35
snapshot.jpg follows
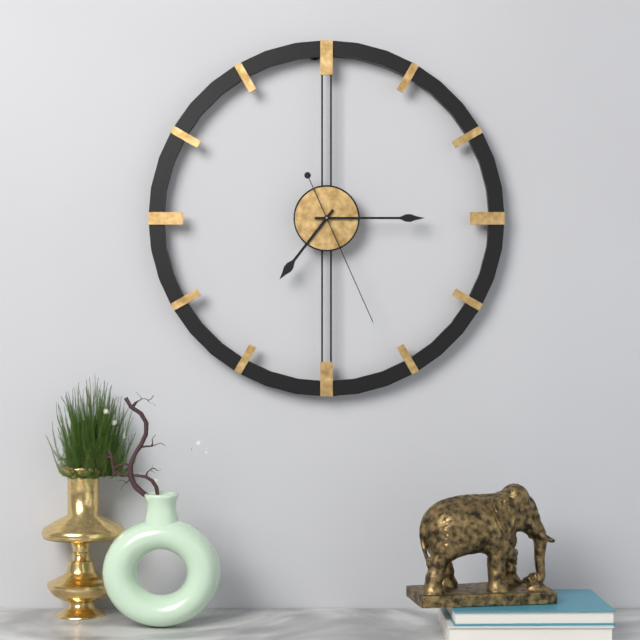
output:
7:15:26
